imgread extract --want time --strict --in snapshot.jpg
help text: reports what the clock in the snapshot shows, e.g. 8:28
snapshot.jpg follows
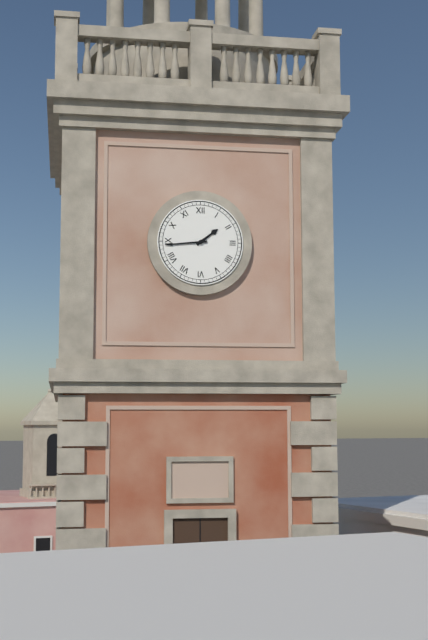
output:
1:44
